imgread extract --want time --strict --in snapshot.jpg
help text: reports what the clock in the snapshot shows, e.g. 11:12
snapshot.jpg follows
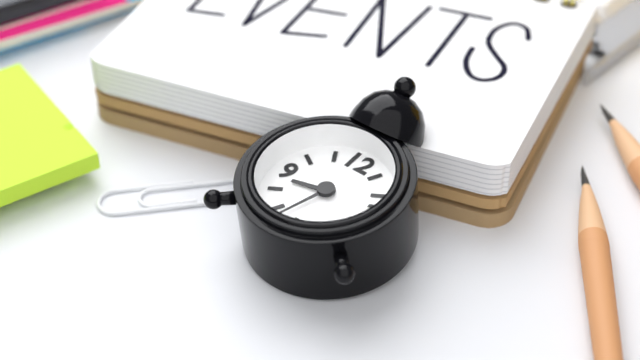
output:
8:33
